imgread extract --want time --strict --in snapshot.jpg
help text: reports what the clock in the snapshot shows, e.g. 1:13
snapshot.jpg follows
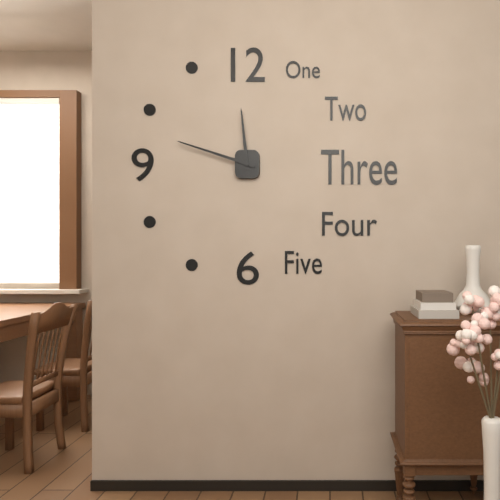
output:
11:48
